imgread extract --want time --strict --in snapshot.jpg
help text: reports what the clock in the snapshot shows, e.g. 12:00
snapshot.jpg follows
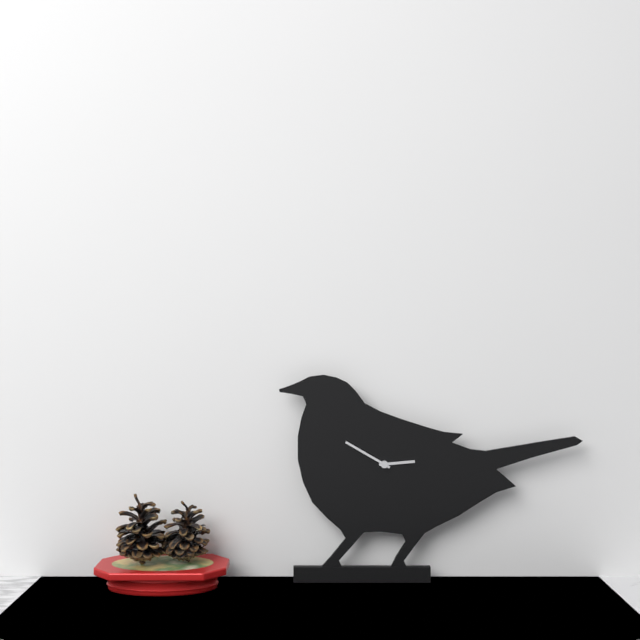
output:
2:50
